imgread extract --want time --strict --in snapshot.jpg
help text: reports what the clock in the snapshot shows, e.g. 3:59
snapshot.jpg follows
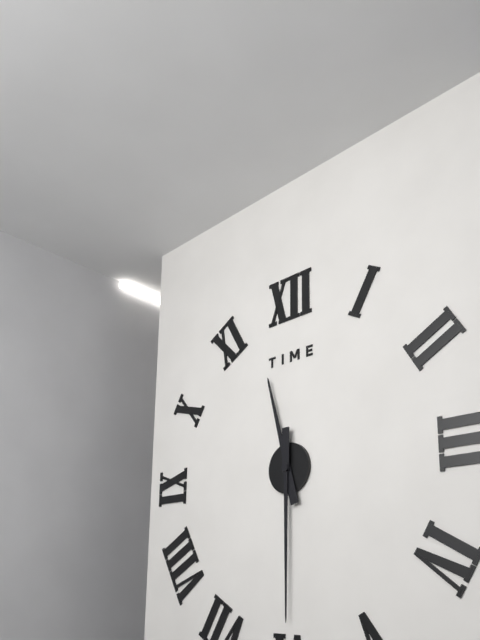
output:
11:30
